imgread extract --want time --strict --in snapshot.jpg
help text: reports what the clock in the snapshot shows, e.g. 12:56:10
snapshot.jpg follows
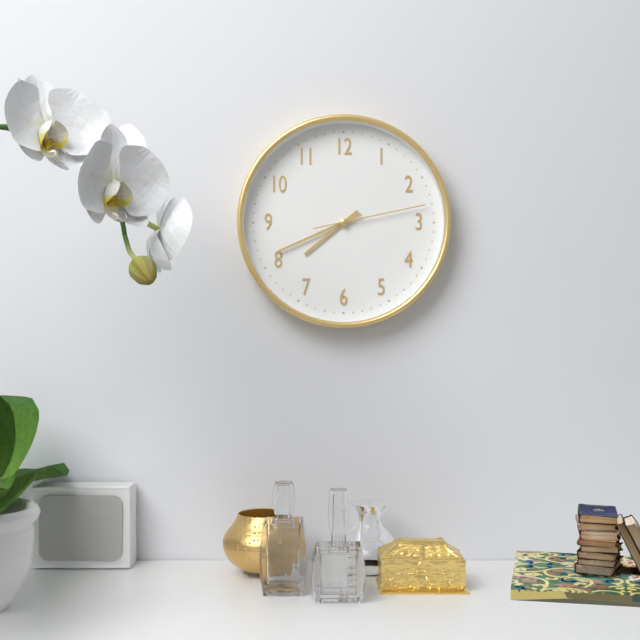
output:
7:41:13
